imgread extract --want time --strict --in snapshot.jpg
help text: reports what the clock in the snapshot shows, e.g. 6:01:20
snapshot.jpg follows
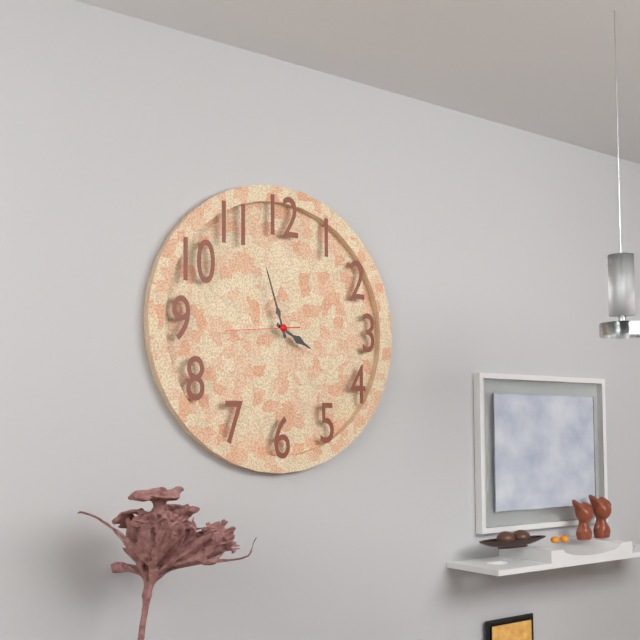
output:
3:57:44
